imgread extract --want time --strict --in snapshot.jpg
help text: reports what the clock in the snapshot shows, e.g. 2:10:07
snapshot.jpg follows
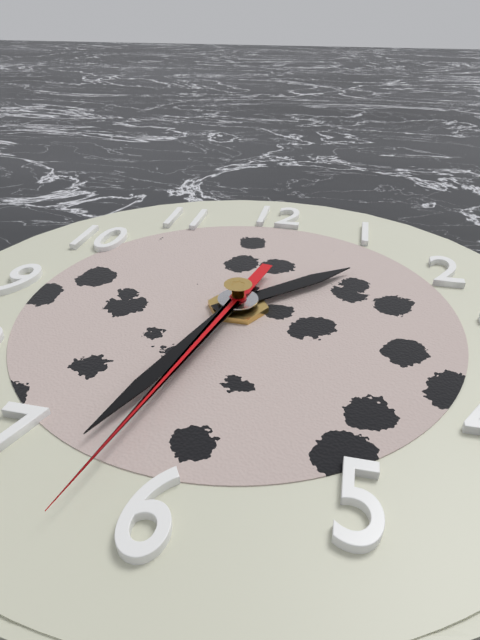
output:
1:33:32
